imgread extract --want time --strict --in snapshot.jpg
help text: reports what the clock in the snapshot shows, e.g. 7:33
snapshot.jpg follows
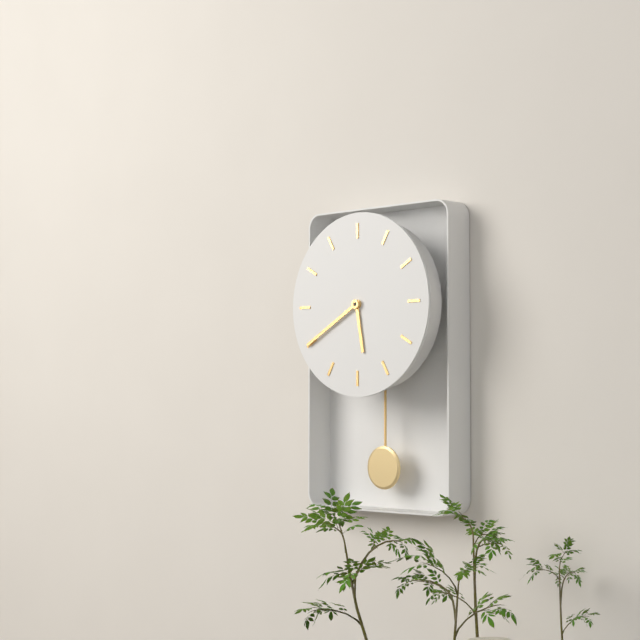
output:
5:40
